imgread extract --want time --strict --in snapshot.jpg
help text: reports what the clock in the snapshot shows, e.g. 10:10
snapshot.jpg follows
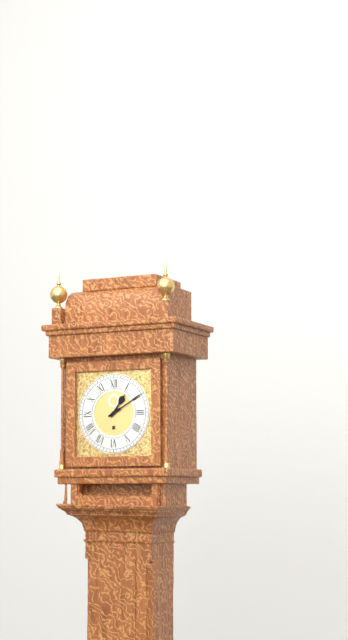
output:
1:10
